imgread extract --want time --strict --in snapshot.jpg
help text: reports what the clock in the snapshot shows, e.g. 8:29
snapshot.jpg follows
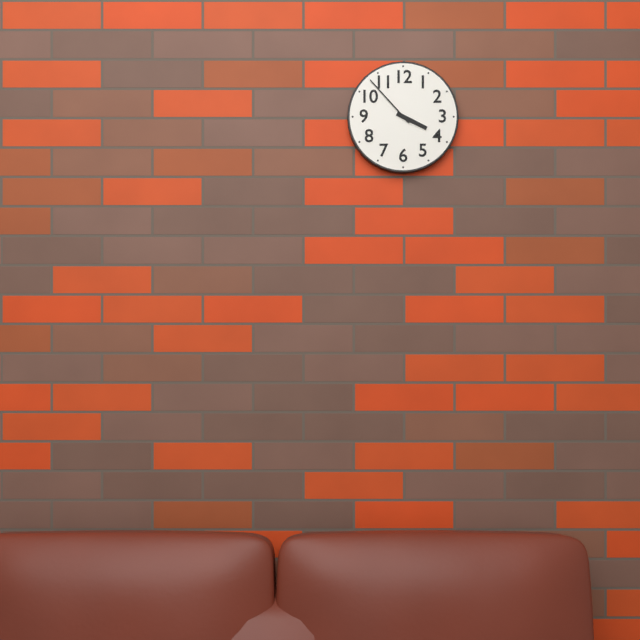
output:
3:53
